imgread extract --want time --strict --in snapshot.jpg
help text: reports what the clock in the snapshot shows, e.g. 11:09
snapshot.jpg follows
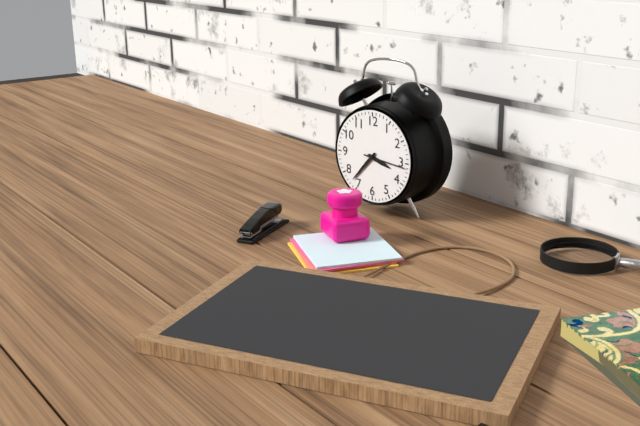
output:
3:37
